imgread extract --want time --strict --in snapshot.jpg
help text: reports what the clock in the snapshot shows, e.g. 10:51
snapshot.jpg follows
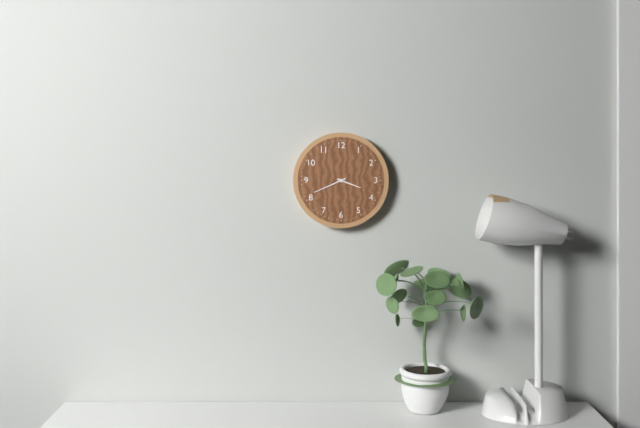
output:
3:41
